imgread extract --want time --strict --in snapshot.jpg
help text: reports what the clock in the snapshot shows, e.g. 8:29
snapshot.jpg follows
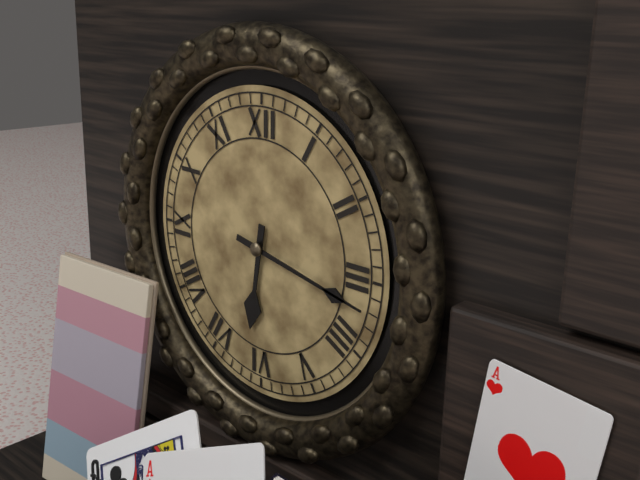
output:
6:17
